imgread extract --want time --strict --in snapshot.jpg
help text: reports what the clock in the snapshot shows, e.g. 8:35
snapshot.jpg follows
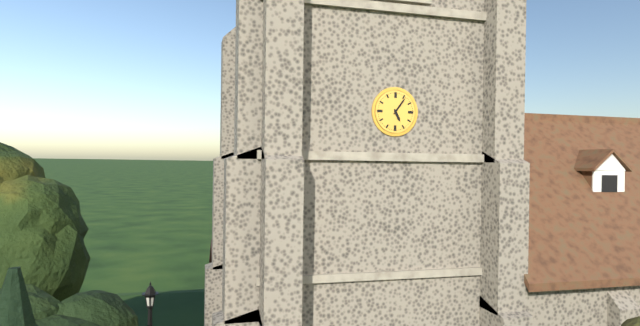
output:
5:06
